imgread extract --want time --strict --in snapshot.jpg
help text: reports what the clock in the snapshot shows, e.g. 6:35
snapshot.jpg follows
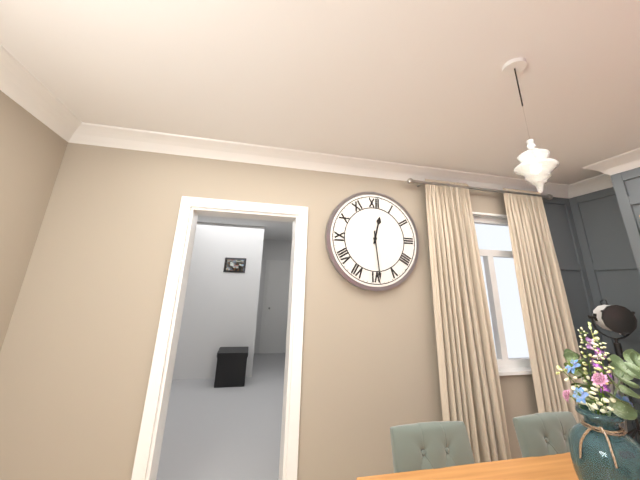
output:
12:29
